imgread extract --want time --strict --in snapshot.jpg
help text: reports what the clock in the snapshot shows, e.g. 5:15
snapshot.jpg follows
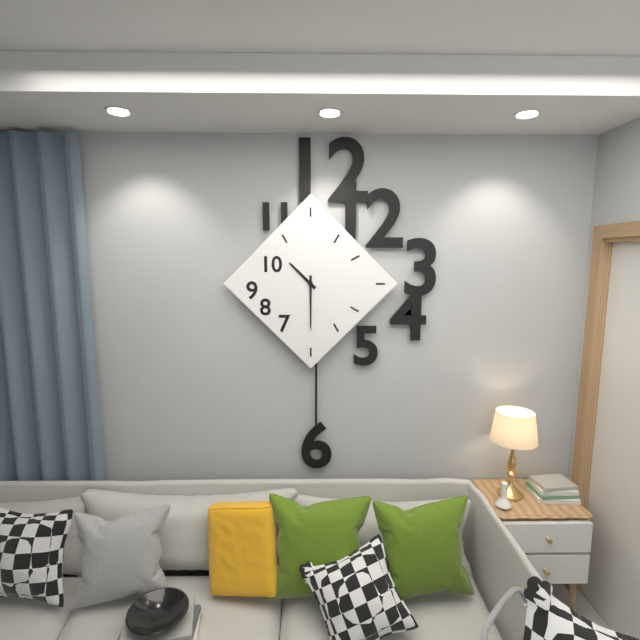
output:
10:30
